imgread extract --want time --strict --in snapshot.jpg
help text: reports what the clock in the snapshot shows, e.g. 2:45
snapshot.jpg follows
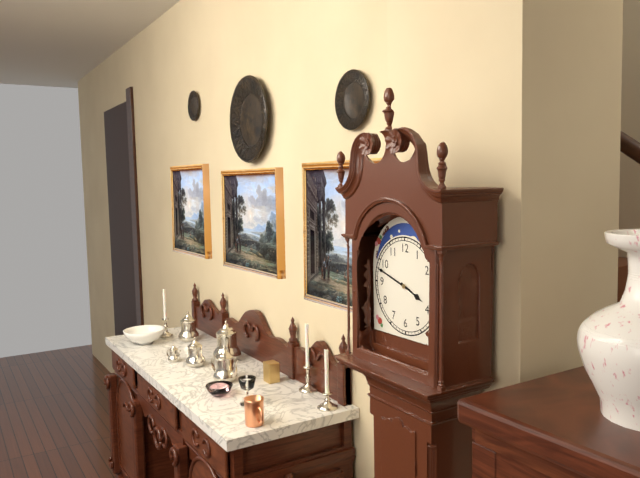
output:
3:48
